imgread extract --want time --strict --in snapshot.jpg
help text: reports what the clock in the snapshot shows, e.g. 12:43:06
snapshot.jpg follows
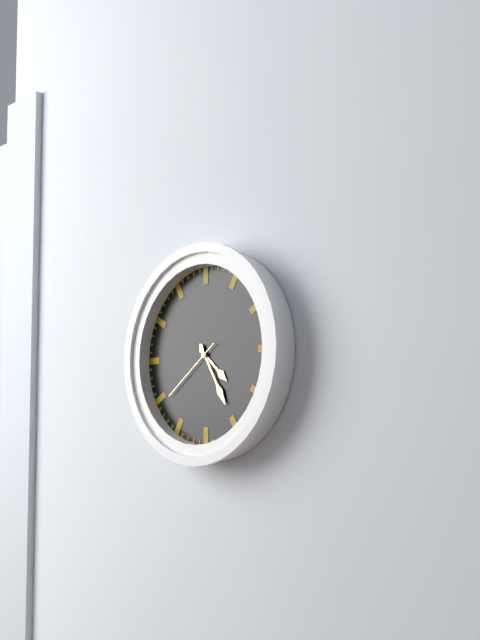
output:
4:25:39
